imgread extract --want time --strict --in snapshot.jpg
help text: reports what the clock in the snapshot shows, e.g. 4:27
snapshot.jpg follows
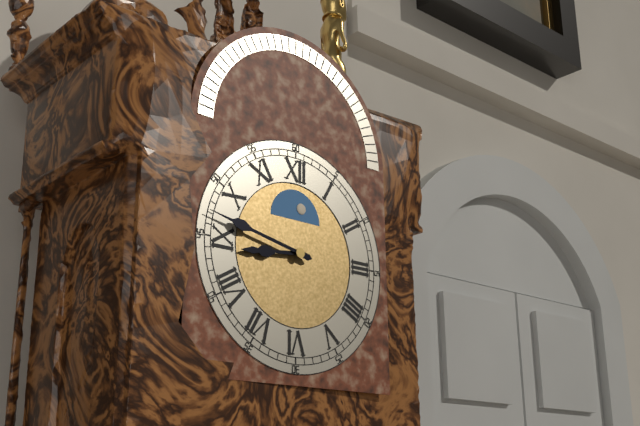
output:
8:47
